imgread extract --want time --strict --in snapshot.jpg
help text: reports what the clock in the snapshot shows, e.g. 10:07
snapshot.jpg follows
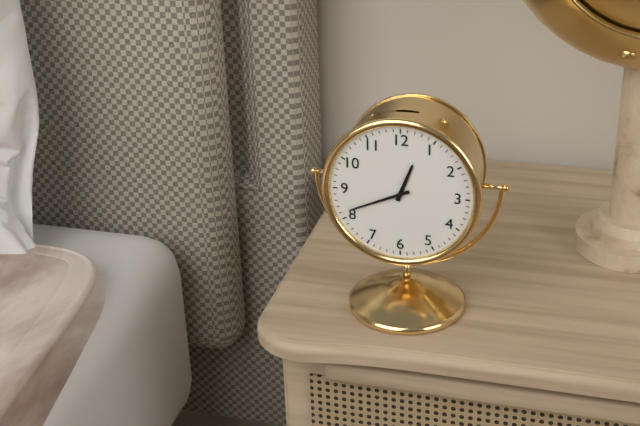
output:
12:41
